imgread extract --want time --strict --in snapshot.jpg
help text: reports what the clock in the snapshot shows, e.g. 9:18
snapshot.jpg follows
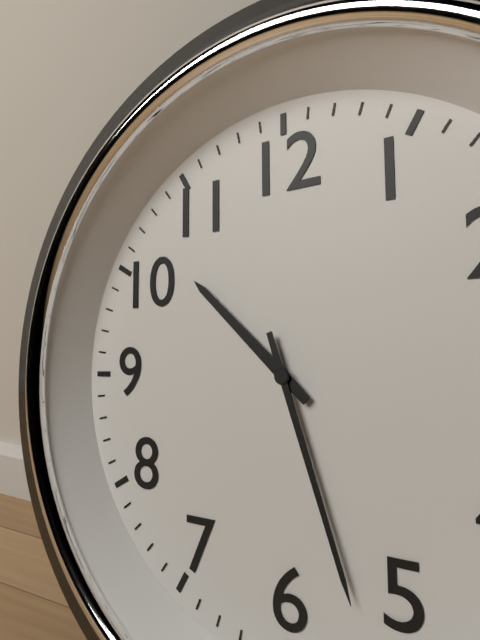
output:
10:27
